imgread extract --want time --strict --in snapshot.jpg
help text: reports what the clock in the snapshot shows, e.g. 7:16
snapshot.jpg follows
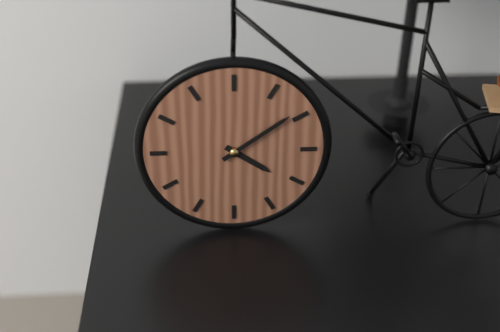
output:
4:09
